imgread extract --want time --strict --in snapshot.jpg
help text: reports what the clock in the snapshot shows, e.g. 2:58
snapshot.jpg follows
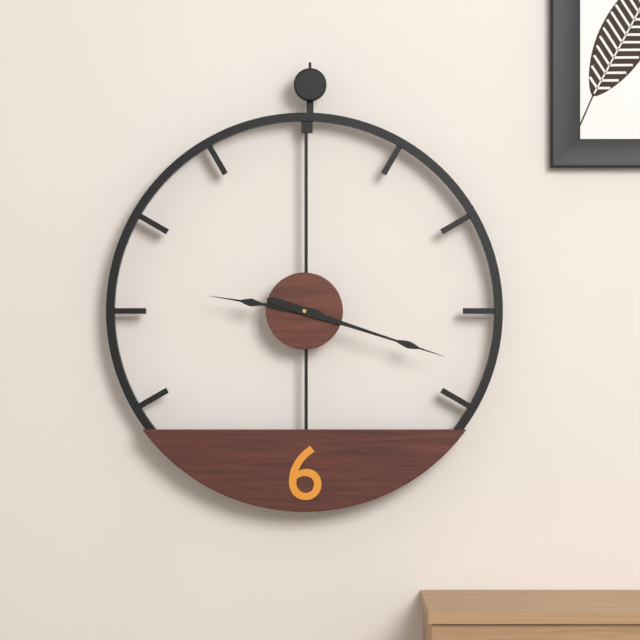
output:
9:18
